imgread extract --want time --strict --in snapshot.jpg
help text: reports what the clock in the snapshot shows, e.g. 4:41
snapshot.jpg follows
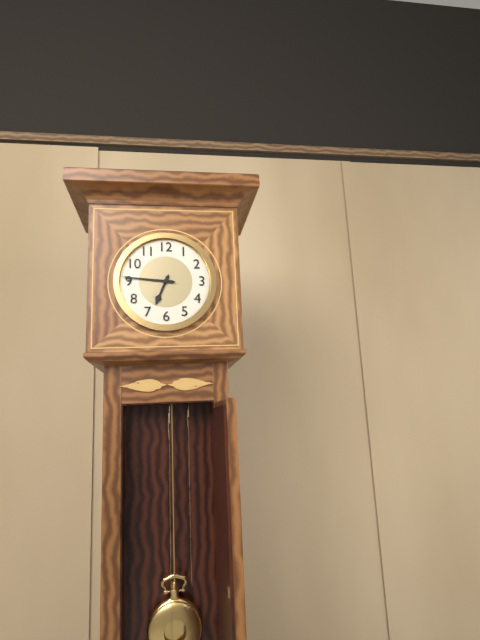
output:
6:46
